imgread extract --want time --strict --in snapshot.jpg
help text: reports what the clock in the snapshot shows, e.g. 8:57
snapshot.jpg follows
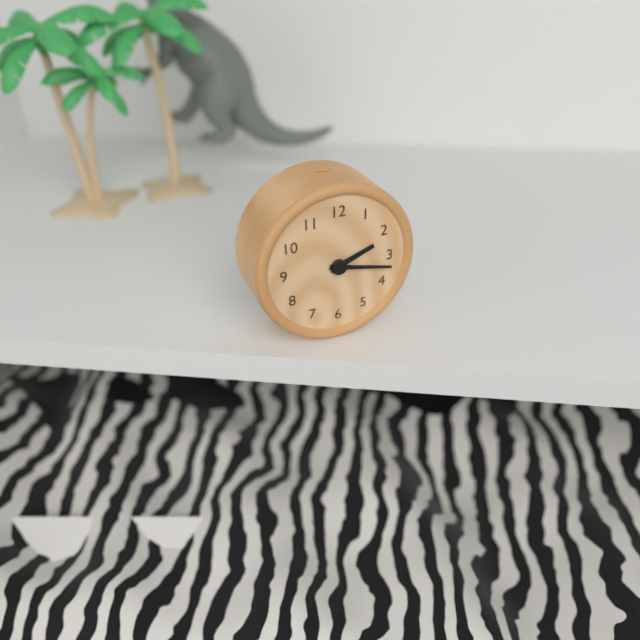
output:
2:17
